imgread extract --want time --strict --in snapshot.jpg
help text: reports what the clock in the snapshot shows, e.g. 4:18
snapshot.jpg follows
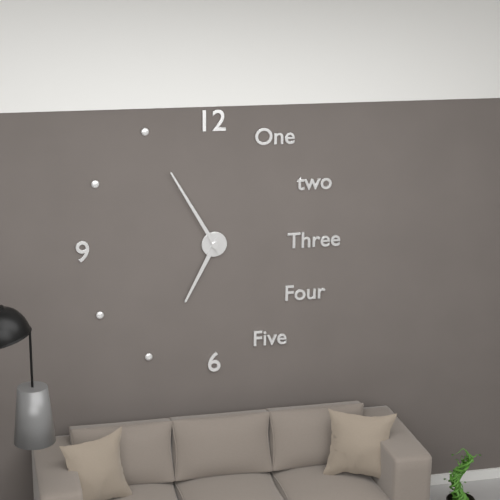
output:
6:55
